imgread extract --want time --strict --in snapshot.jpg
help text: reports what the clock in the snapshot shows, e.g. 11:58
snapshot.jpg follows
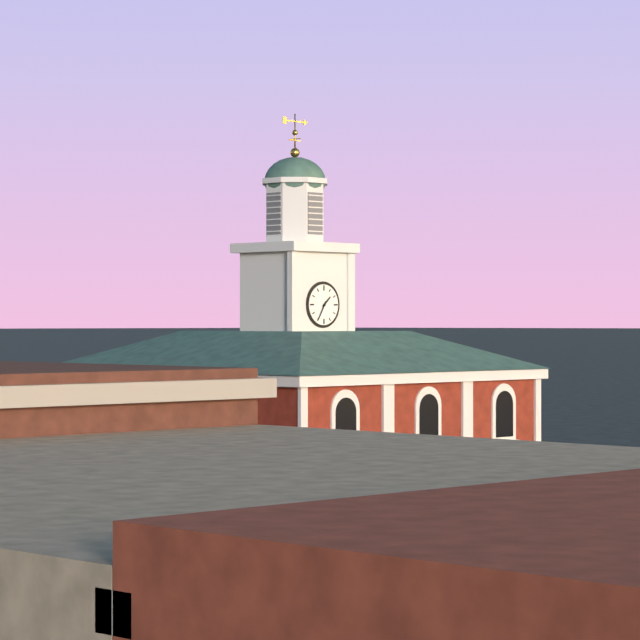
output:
1:35
